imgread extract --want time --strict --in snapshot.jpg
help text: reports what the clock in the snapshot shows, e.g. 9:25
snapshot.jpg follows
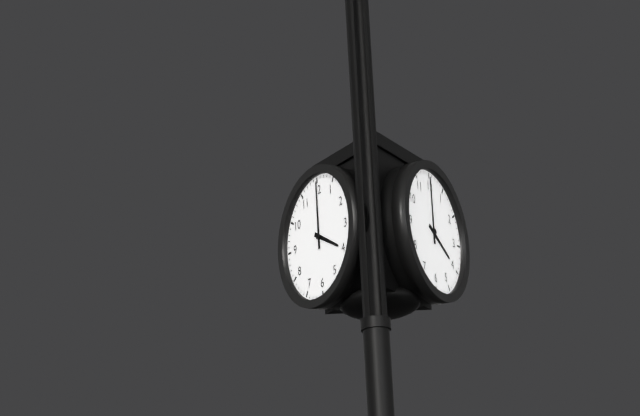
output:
4:00
